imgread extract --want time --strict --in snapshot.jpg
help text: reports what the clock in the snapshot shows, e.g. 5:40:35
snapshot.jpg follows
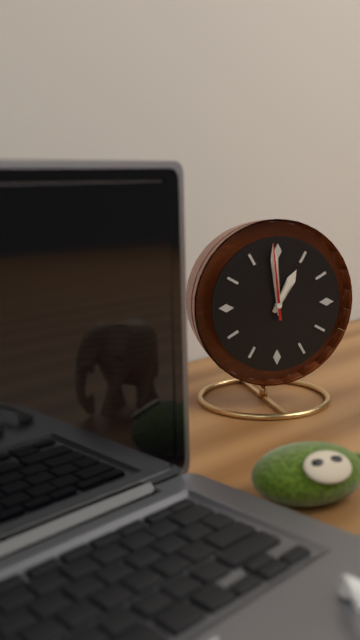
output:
12:59:59
